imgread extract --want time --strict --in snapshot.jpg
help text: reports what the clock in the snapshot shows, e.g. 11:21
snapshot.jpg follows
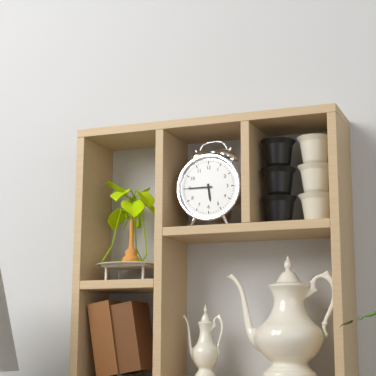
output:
5:45
